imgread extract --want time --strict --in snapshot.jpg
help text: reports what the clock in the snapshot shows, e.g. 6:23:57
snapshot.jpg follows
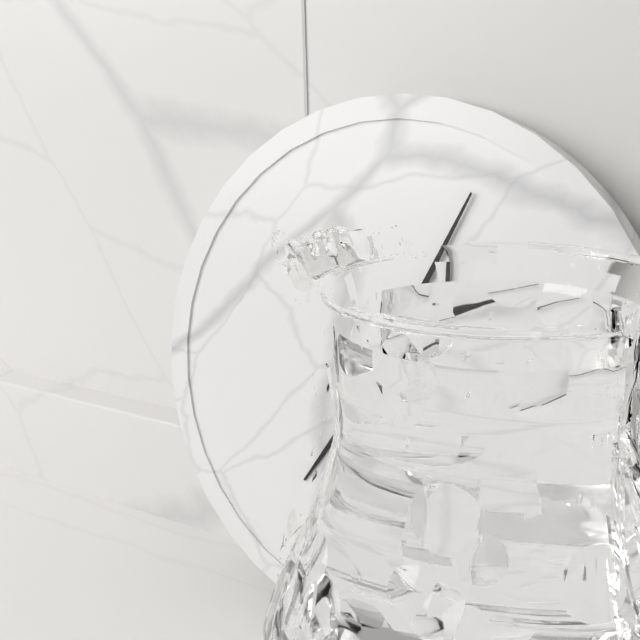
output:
7:04:10
